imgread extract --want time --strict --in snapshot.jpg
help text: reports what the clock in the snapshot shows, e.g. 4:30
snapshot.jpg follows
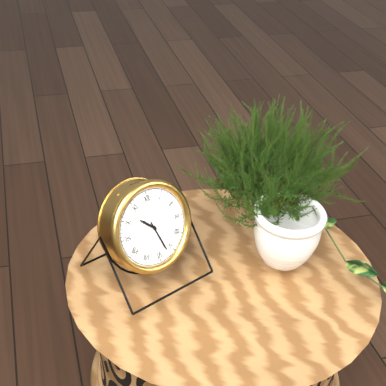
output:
10:27
